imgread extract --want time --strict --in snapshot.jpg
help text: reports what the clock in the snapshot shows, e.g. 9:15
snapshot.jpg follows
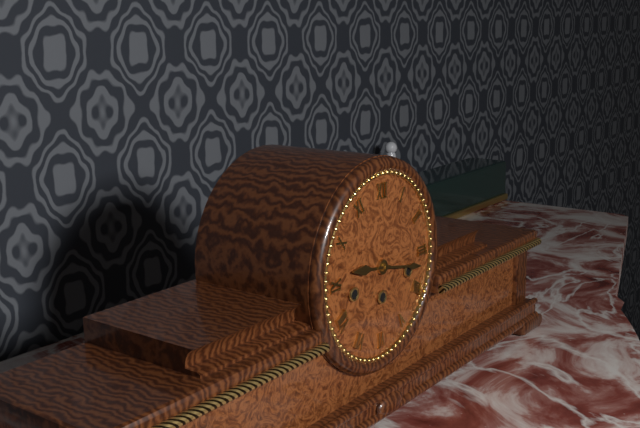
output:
9:17
